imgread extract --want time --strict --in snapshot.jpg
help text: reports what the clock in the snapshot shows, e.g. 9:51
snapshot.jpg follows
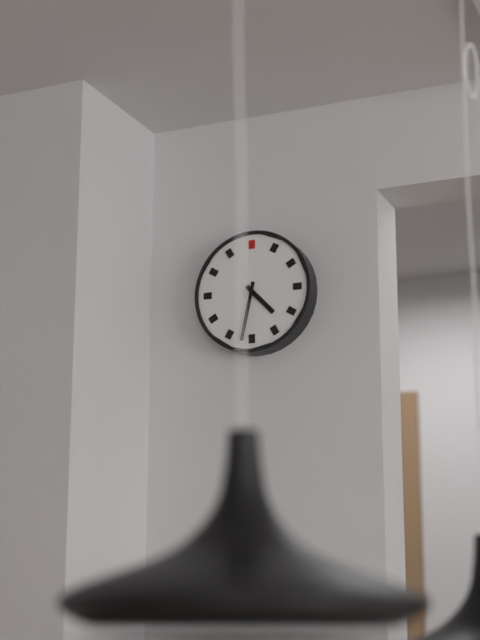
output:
4:32
